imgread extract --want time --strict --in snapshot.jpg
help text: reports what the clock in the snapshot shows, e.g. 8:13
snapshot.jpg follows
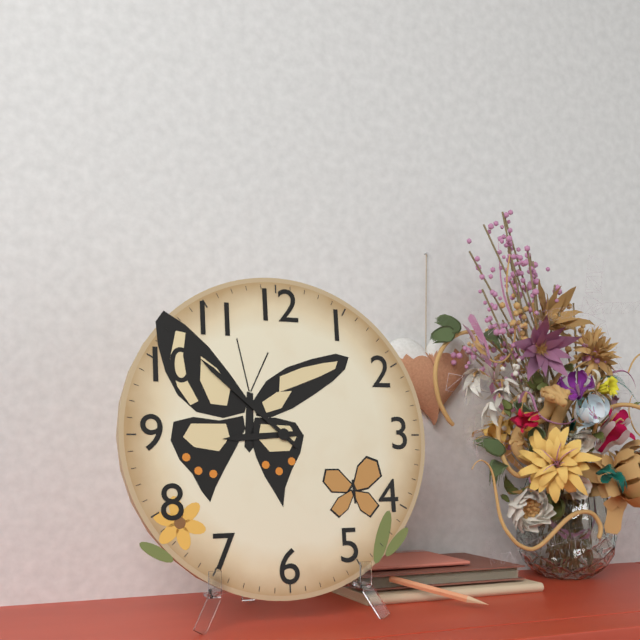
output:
8:52
